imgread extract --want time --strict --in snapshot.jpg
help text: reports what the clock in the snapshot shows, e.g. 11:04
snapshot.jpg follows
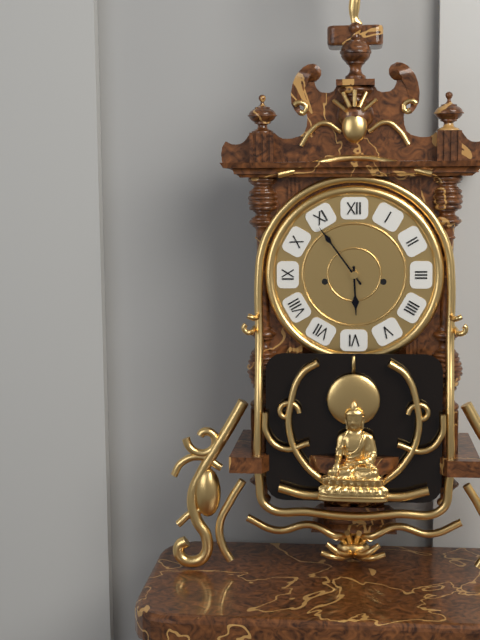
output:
5:54
